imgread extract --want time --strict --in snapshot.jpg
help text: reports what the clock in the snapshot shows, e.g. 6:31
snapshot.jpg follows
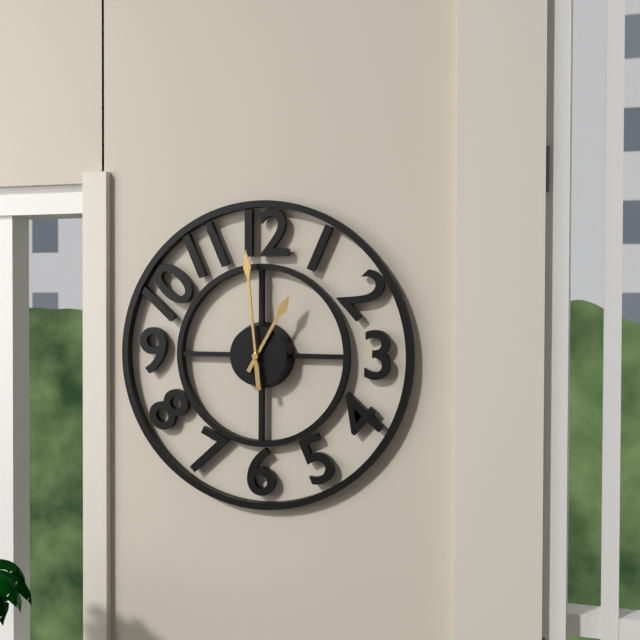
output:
12:59
